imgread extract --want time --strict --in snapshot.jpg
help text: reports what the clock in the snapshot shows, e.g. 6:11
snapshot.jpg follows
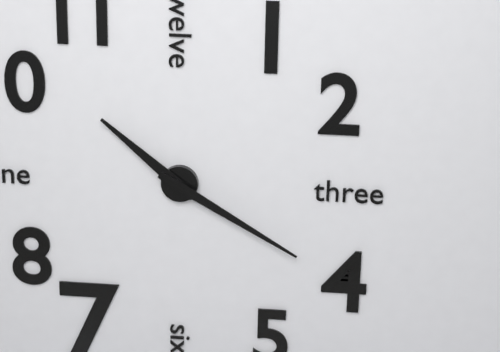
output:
10:20
